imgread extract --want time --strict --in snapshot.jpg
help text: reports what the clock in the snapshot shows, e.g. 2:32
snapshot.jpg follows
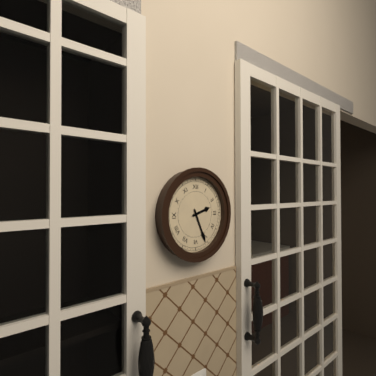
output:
2:26
